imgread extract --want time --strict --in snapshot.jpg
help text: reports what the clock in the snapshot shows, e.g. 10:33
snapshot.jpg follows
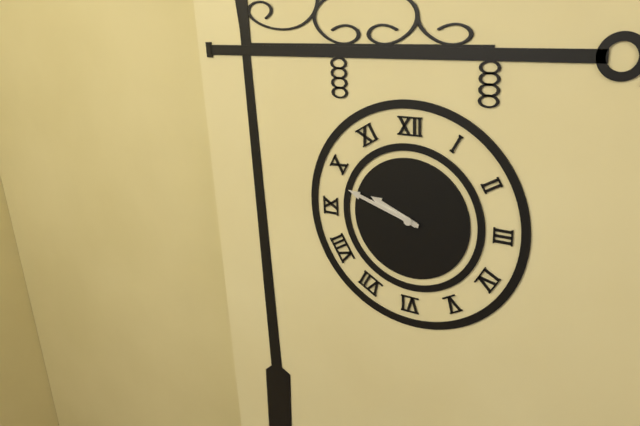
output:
9:48
